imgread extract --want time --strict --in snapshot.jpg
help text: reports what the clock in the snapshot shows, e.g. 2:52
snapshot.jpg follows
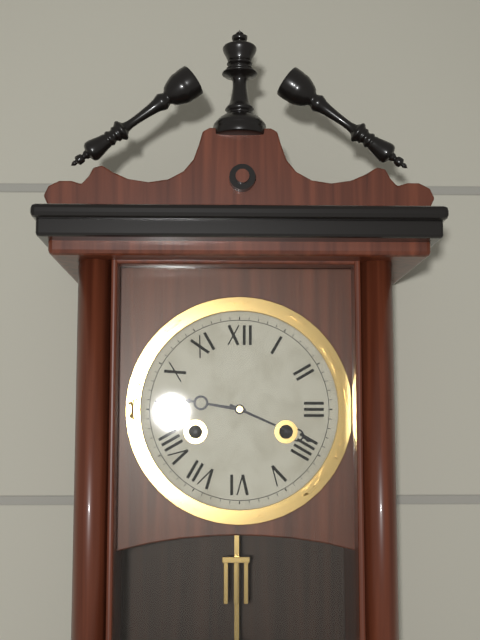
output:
9:19
